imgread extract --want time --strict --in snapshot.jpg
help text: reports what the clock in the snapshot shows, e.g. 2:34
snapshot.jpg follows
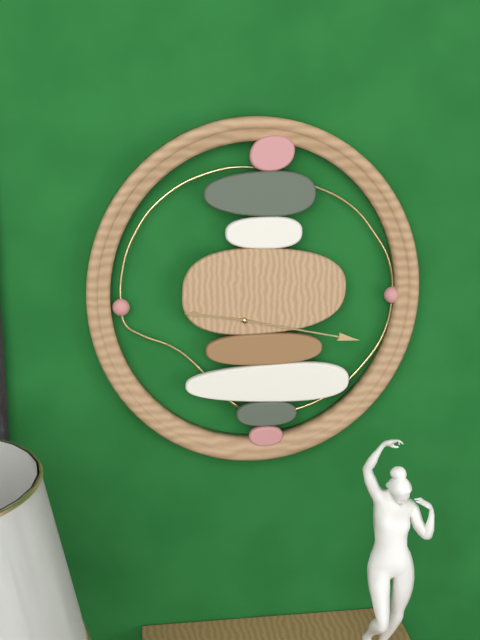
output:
9:17
